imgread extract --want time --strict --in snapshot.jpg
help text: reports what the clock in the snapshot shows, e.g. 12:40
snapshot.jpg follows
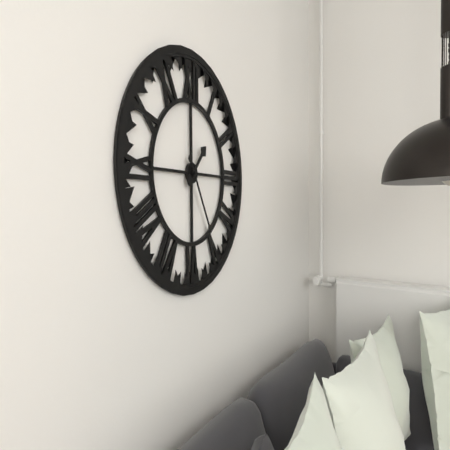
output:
1:25
